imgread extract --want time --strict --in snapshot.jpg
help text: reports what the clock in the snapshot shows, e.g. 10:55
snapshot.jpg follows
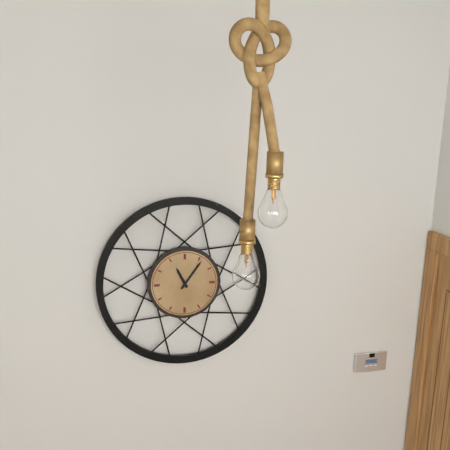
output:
11:06
